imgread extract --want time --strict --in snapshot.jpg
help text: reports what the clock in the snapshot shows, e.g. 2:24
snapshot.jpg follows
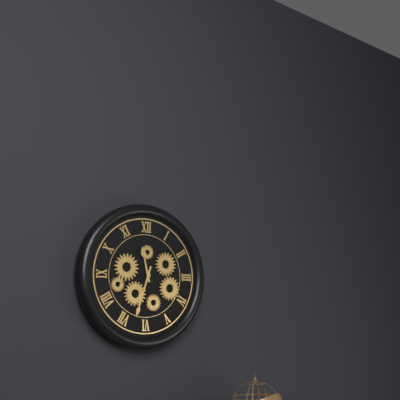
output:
11:33
